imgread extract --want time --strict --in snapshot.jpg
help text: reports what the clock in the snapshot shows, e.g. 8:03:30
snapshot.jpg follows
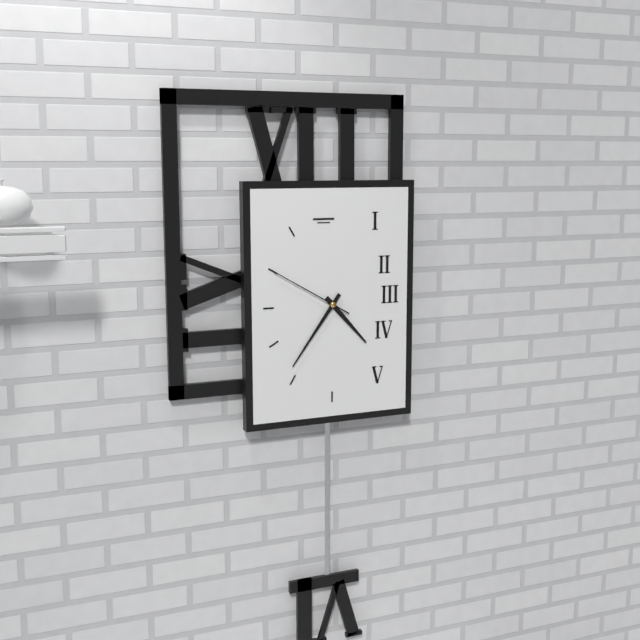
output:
4:36:50
